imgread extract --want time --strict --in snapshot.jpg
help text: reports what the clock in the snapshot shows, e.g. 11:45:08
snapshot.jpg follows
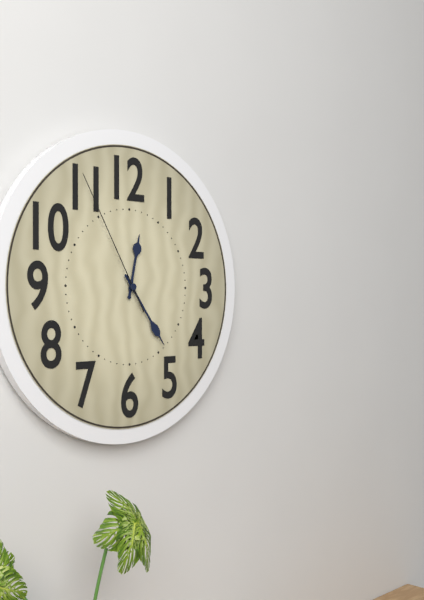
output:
12:24:55
